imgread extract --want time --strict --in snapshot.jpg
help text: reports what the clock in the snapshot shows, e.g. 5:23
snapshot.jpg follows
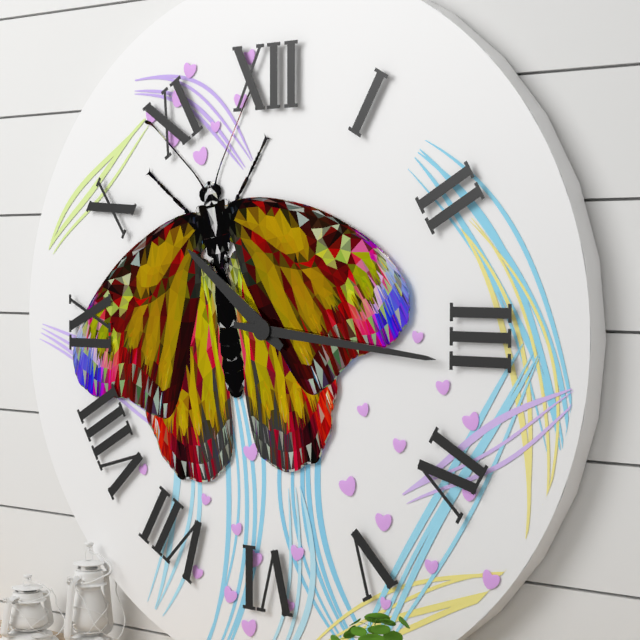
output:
10:16
